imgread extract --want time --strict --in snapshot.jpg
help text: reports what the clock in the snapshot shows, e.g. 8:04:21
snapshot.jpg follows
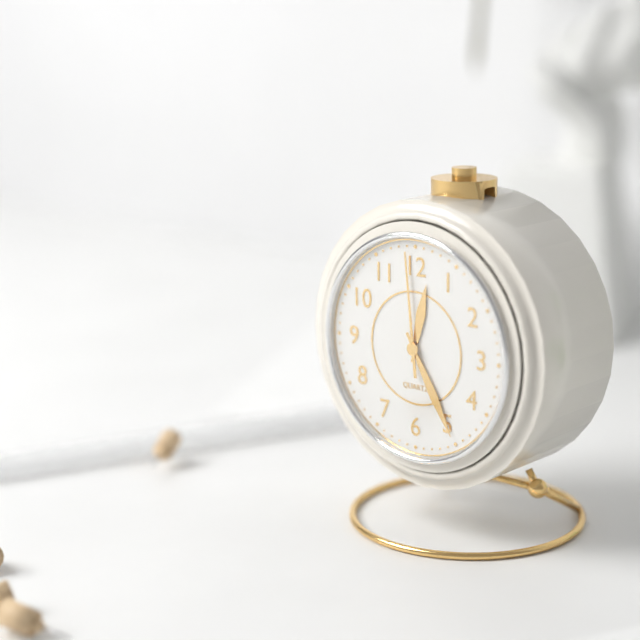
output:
12:25:59
